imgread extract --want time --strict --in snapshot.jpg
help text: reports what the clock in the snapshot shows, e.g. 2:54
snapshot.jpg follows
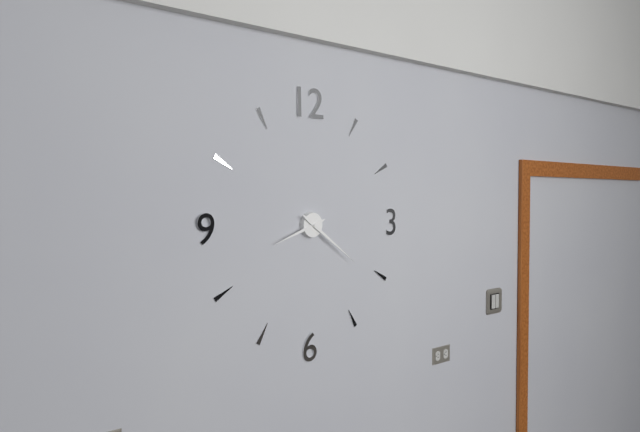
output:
8:21
